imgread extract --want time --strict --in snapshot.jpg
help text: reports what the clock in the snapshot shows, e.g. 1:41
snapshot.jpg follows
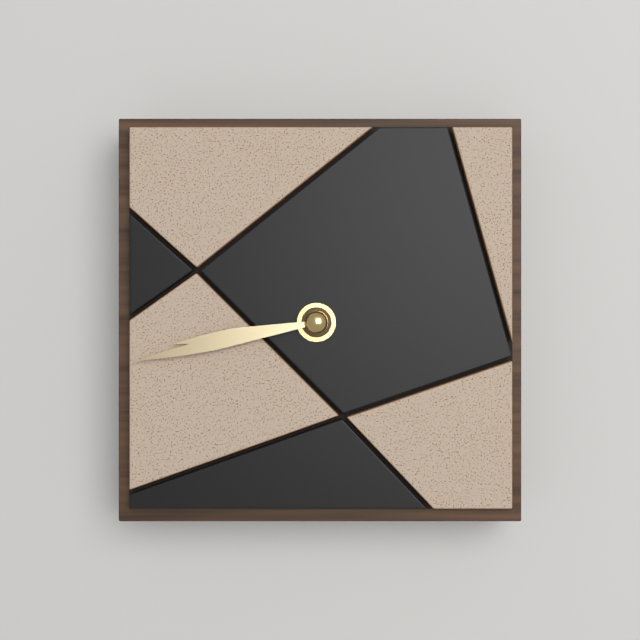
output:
8:43
